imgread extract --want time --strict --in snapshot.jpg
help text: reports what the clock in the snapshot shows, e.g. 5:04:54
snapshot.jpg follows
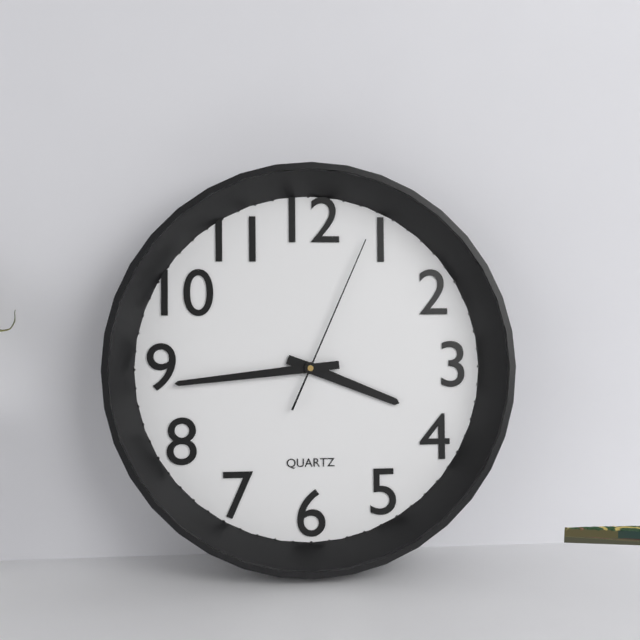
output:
3:44:04
